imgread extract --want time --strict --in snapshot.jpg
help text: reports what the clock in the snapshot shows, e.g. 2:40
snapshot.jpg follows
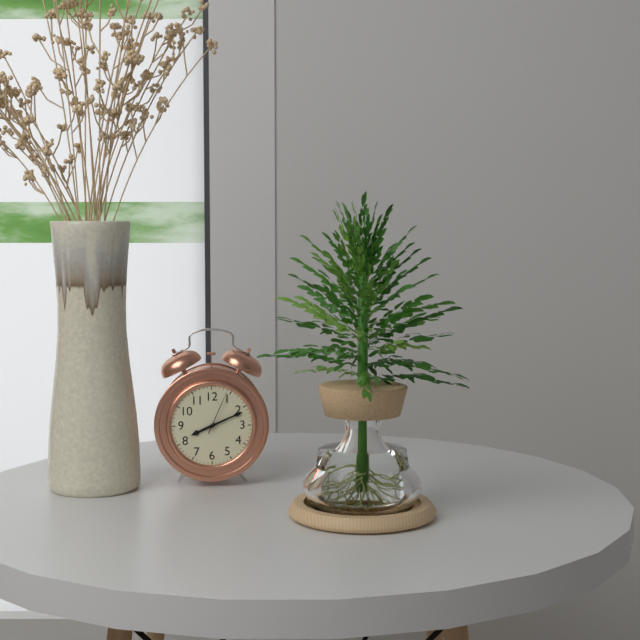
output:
8:11
